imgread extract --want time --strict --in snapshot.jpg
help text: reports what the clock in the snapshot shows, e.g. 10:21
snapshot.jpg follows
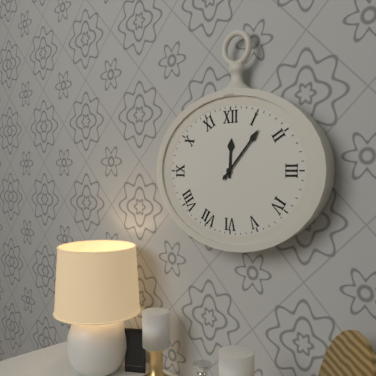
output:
12:07
